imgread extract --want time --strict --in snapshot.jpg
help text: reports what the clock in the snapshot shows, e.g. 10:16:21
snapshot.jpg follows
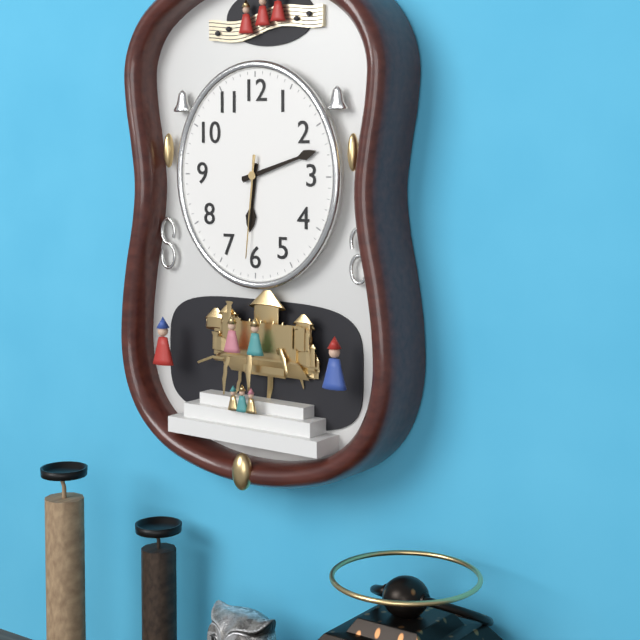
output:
6:12:31
